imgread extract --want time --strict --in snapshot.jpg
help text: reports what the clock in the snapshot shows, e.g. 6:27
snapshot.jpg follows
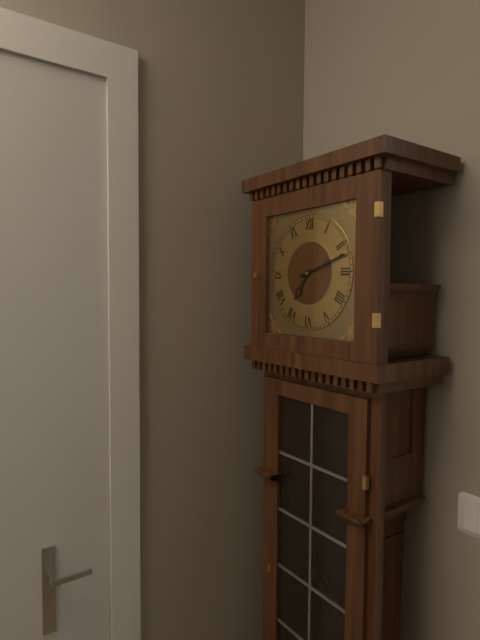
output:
7:12
